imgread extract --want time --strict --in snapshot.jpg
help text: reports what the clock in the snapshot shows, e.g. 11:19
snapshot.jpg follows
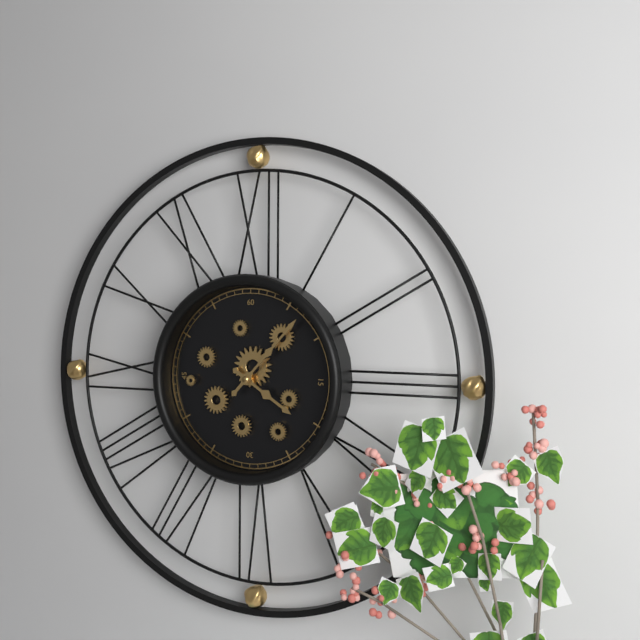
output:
4:07
